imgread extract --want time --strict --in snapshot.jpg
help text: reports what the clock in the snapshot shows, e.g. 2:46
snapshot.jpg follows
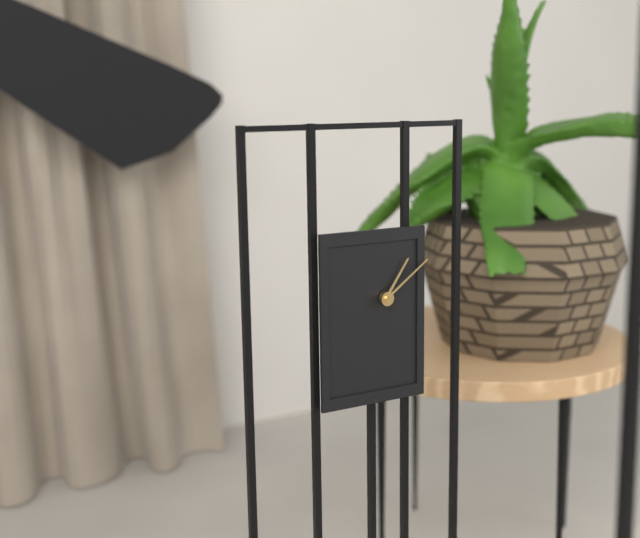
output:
1:09
